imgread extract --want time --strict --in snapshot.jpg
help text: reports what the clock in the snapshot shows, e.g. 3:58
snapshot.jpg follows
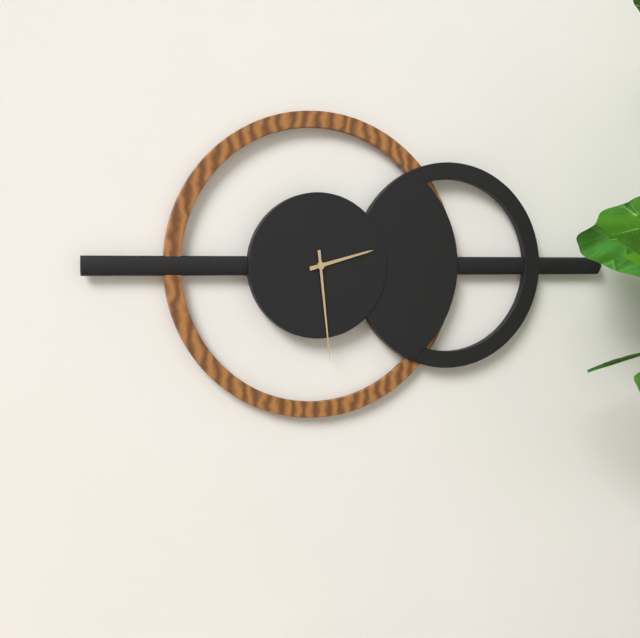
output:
2:29
